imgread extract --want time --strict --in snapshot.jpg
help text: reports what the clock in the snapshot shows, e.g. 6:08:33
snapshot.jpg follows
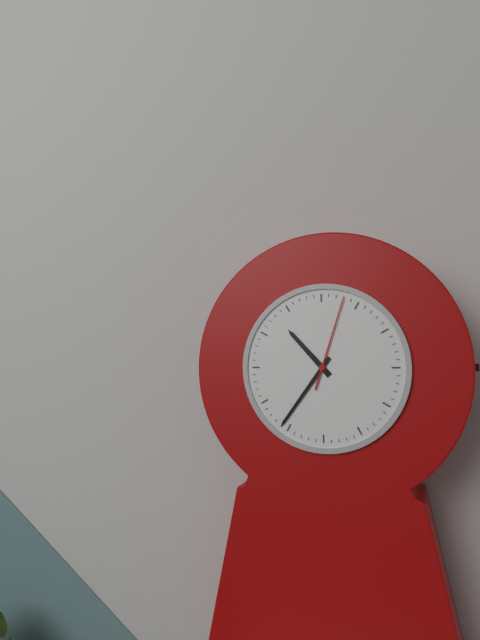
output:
10:36:03
